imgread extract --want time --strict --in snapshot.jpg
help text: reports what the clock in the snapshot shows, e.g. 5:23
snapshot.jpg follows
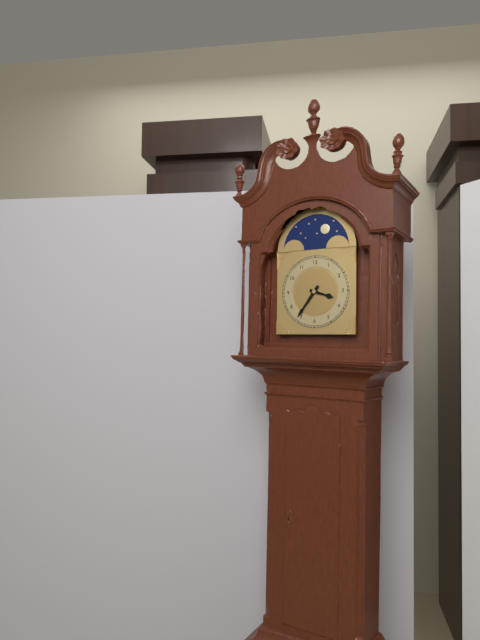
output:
3:36
